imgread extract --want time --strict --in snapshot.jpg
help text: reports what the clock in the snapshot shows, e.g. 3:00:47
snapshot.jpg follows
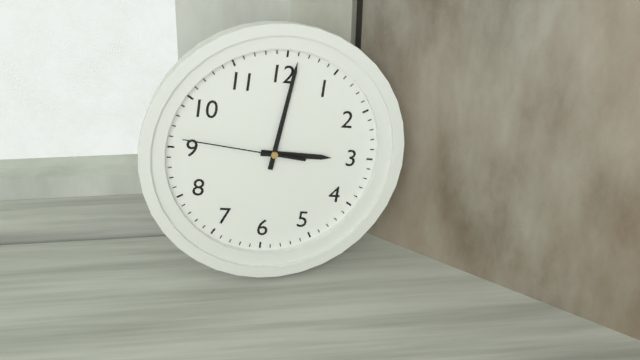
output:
3:01:46
